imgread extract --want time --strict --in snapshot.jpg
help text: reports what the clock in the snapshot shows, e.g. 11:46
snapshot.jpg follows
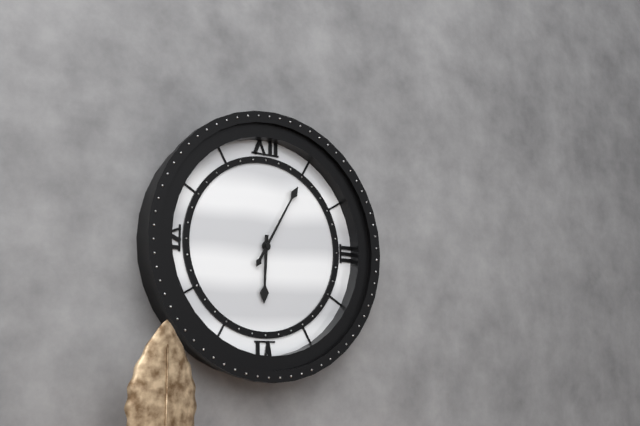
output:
6:05
